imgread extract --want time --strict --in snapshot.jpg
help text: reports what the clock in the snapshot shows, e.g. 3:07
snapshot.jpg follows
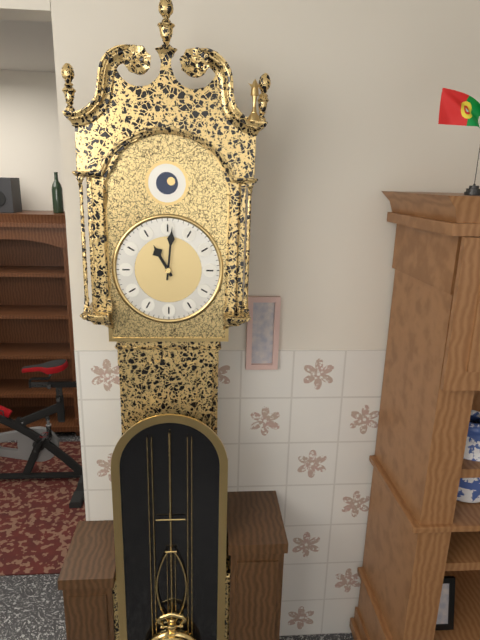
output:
11:01
